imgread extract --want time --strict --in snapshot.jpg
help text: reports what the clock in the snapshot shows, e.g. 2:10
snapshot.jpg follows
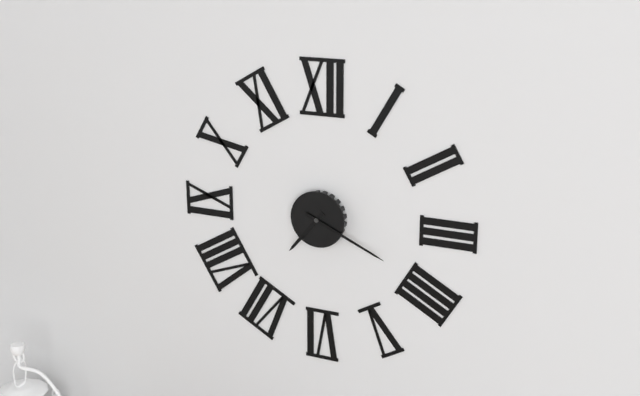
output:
7:19
